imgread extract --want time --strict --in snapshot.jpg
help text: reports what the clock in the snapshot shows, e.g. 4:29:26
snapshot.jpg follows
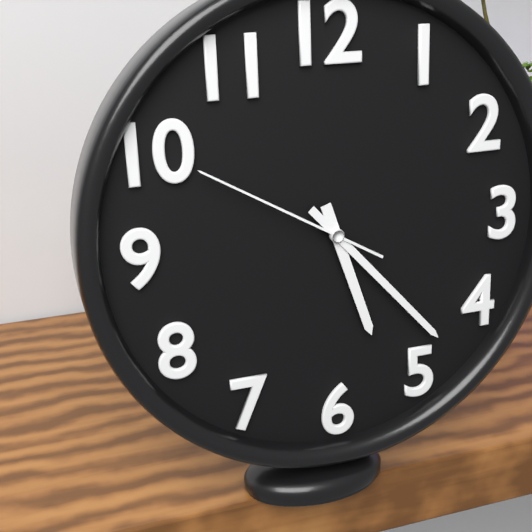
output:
5:23:50
